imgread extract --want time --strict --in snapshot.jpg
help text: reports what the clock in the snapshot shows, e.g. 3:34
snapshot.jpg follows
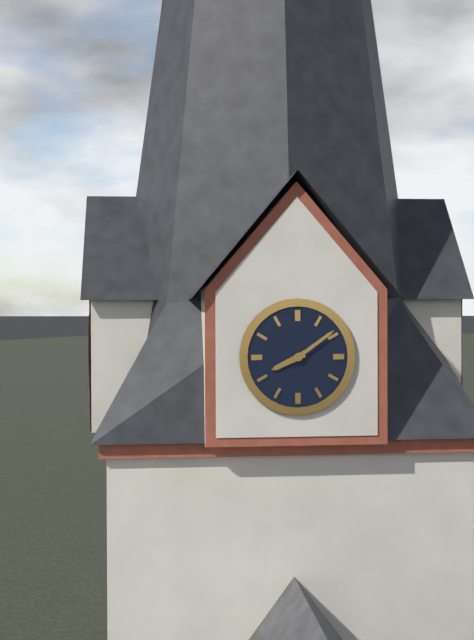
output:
8:09
